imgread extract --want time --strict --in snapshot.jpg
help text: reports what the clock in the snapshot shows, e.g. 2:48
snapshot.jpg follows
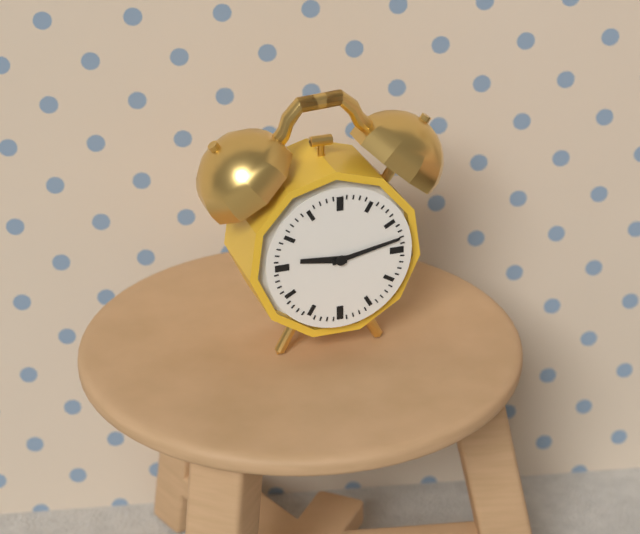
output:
9:13
